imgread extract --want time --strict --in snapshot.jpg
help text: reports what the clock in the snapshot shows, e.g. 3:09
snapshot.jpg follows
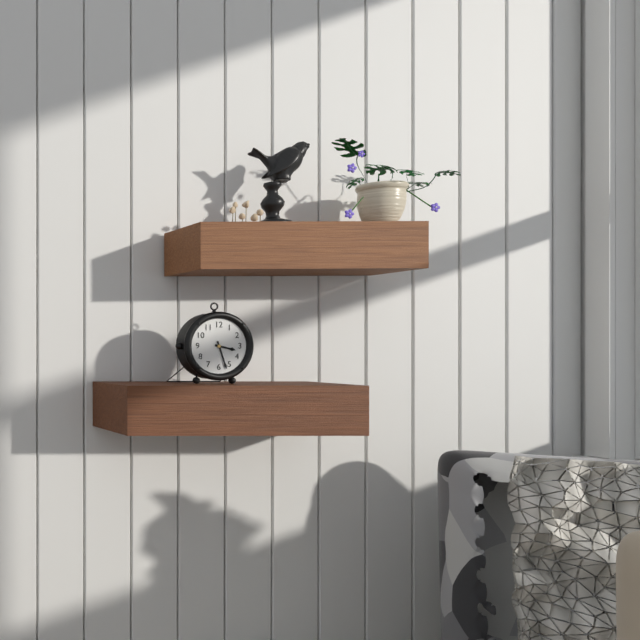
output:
3:27
